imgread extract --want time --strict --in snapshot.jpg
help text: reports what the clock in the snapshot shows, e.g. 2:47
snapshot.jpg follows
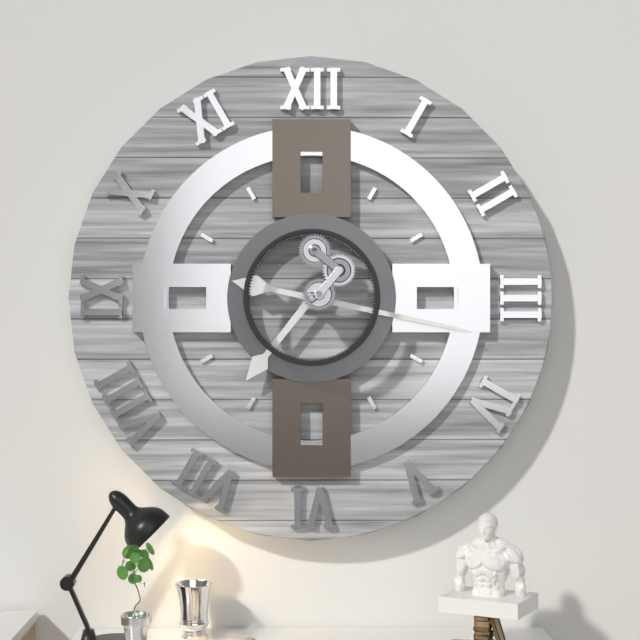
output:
7:17
